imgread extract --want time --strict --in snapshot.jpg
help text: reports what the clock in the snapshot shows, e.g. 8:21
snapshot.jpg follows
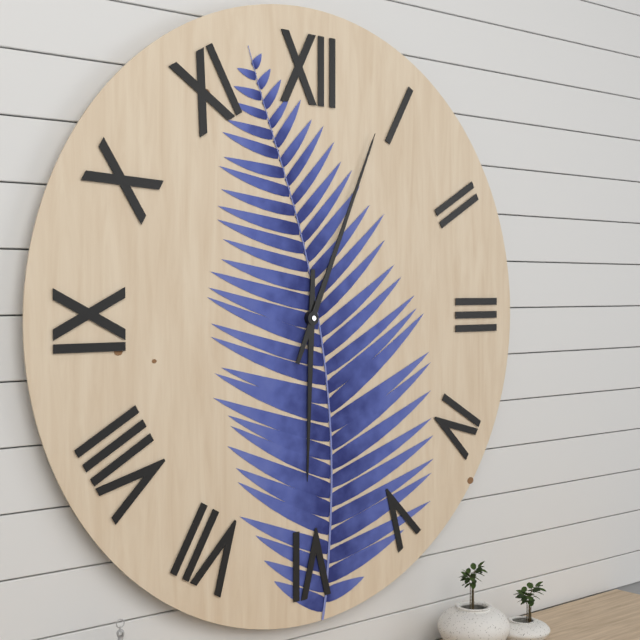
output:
6:04
